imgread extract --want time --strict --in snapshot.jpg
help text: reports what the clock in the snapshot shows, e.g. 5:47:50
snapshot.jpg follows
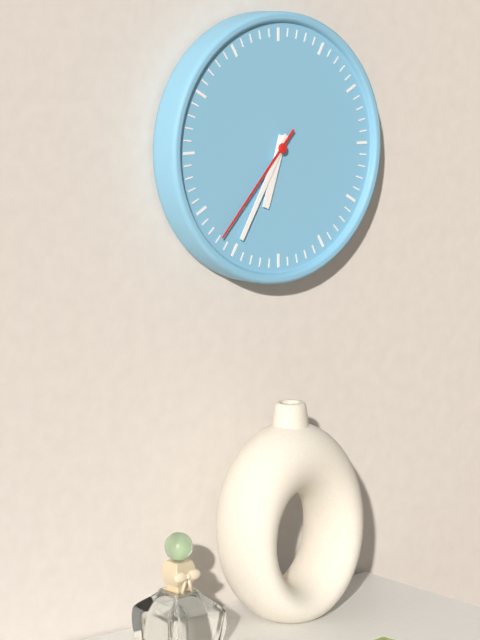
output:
6:35:37
